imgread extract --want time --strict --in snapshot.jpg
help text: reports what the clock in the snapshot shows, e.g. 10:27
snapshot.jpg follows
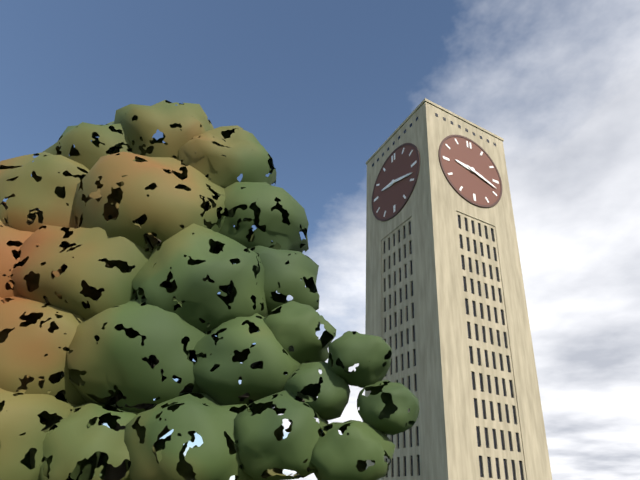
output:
9:18
